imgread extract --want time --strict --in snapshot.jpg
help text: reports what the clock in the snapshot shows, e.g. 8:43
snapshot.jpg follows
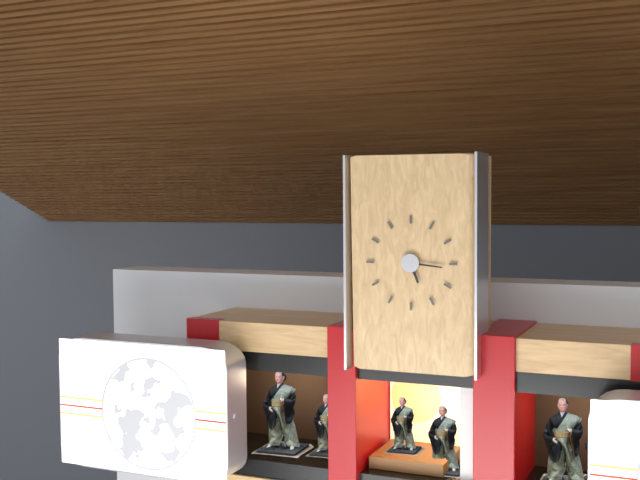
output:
5:16
